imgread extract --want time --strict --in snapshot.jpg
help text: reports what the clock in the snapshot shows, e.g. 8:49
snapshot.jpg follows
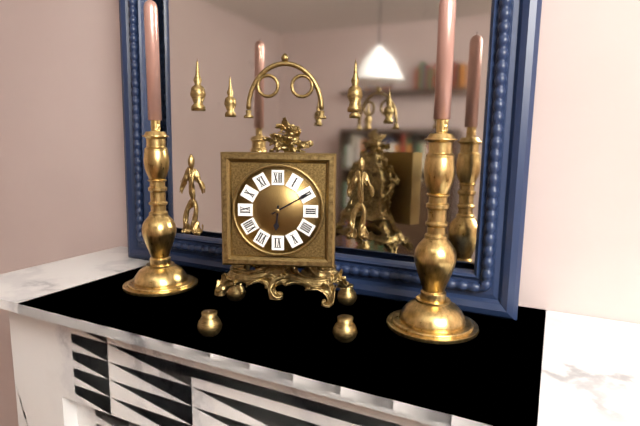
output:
6:10
